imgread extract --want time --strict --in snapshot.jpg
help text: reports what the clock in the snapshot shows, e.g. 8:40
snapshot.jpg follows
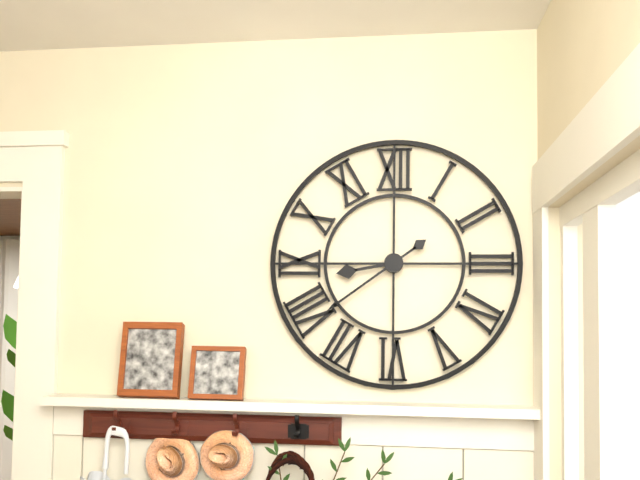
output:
8:39
